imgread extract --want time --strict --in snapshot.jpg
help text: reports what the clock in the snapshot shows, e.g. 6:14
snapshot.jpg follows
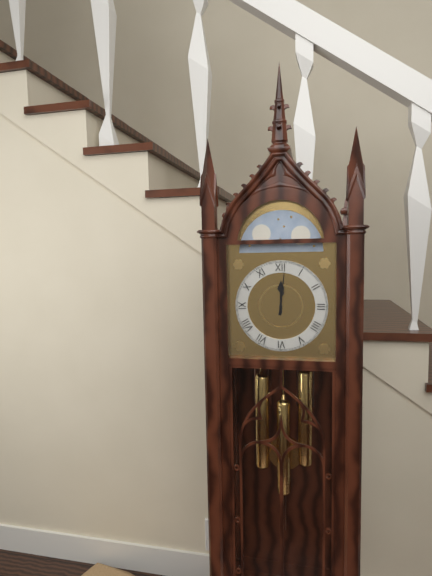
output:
12:01
